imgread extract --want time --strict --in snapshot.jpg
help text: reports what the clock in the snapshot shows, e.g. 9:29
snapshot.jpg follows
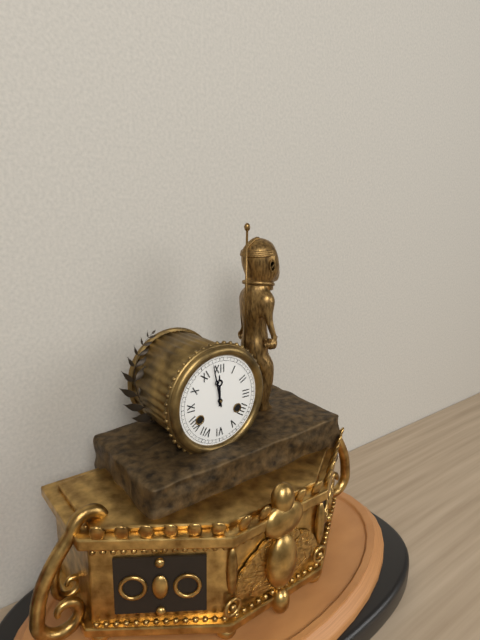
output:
11:58
